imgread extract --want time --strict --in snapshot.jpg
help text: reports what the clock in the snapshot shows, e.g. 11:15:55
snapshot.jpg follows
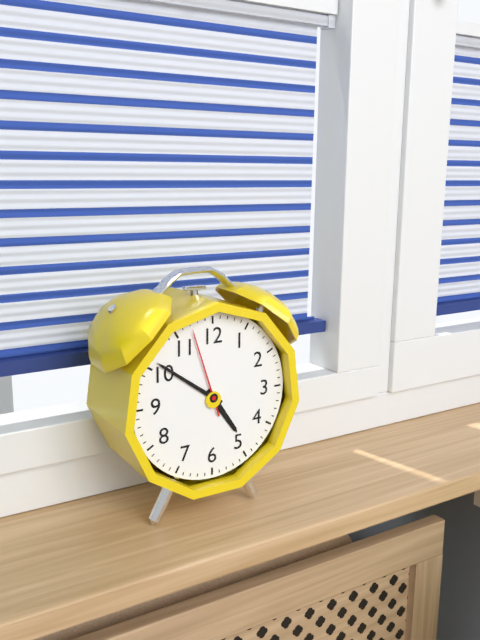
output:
4:51:57
